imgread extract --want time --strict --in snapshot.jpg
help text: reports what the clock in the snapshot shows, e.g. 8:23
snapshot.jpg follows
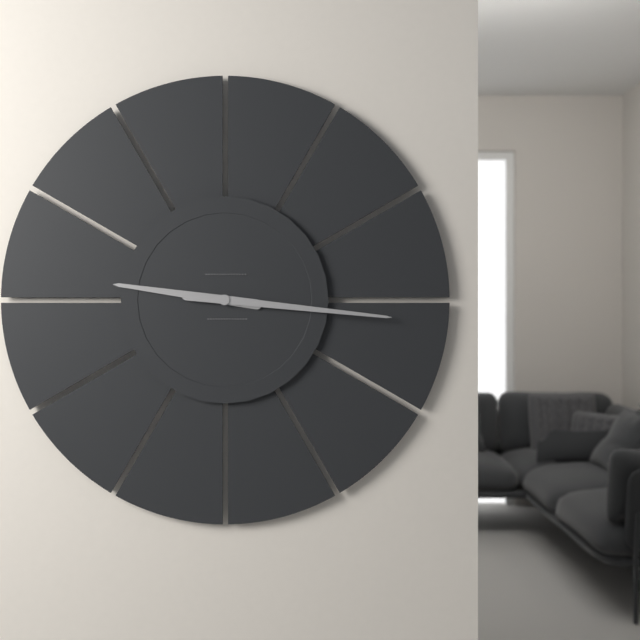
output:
9:16
